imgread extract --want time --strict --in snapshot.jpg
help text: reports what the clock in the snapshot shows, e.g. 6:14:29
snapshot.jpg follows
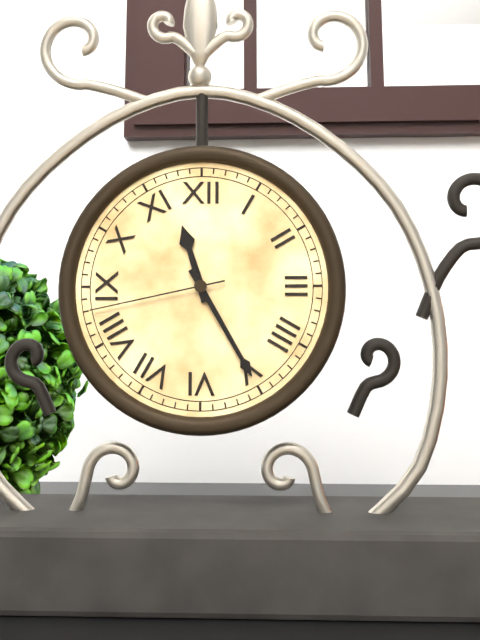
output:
11:25:43
